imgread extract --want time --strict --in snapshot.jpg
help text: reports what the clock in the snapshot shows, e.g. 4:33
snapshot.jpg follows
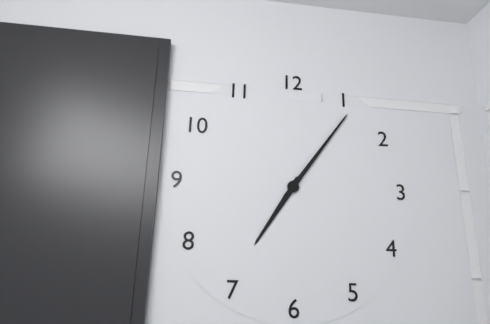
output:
7:06
